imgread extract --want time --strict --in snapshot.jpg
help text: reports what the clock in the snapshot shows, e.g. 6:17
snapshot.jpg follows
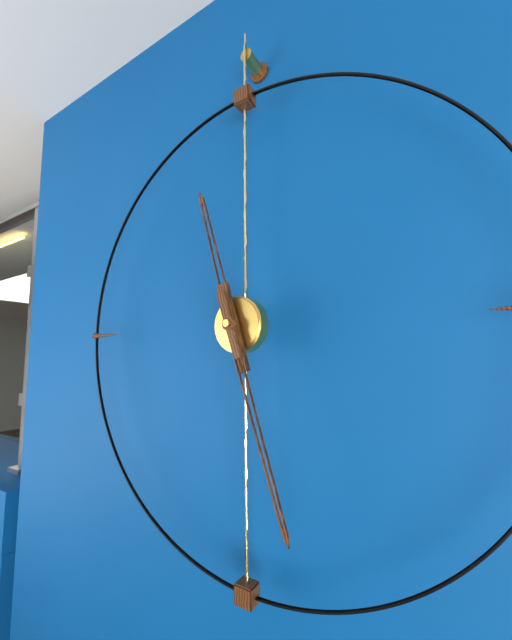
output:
11:27
